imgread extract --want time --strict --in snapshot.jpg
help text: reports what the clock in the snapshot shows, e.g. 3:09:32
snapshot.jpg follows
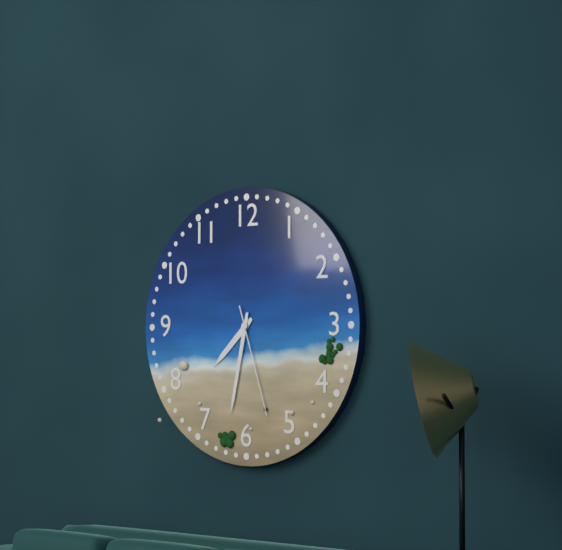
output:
7:32:27
